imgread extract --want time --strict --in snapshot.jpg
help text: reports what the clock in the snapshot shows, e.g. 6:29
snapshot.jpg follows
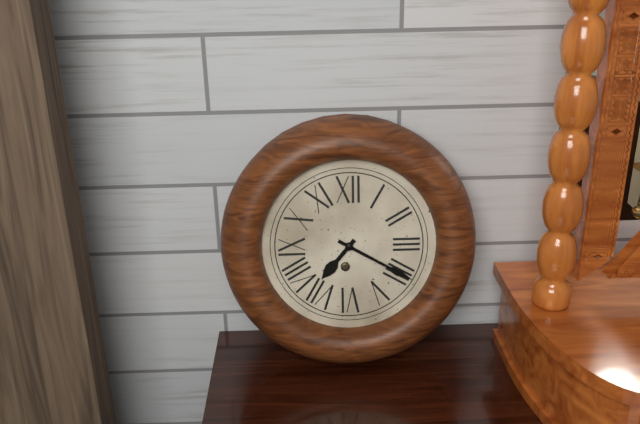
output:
7:20
